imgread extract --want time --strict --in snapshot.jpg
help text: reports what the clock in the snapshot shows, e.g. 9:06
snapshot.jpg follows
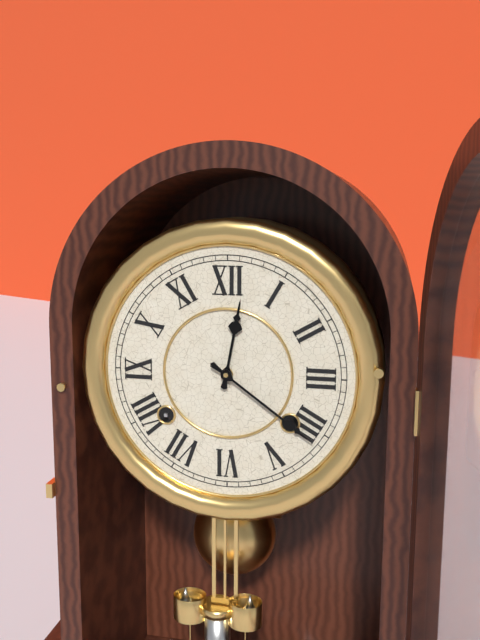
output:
12:21
